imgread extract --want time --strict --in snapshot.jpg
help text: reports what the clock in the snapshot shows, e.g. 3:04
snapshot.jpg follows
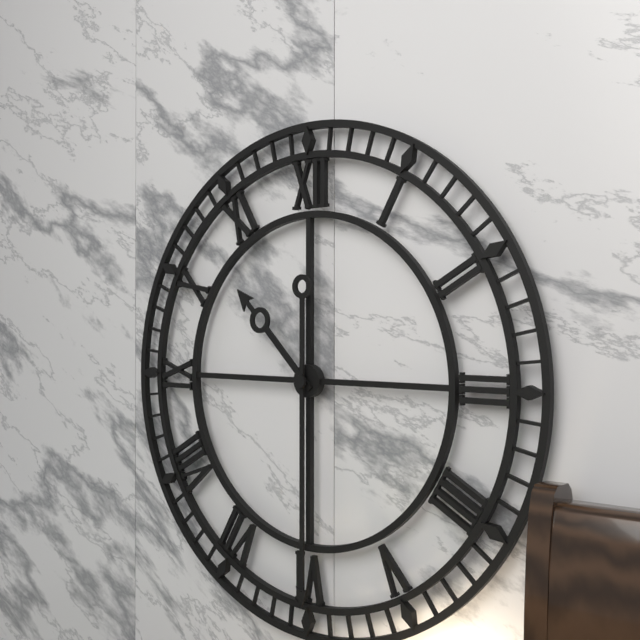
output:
10:30
